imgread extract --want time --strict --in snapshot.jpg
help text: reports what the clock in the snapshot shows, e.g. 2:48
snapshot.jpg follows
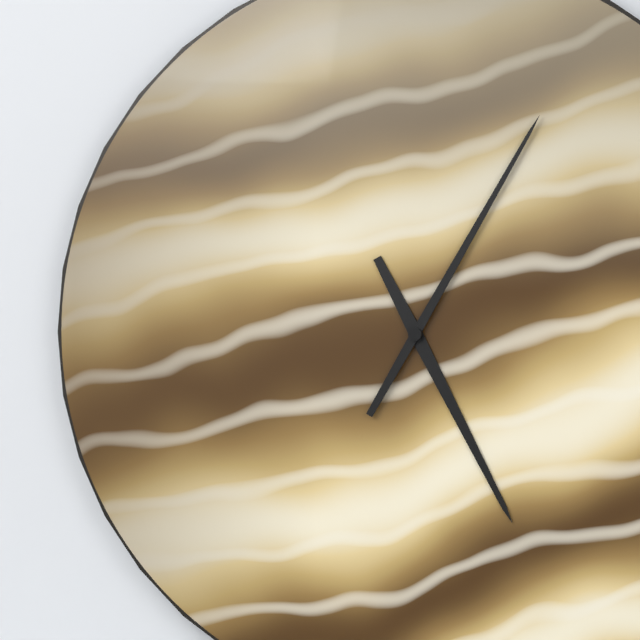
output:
5:05
